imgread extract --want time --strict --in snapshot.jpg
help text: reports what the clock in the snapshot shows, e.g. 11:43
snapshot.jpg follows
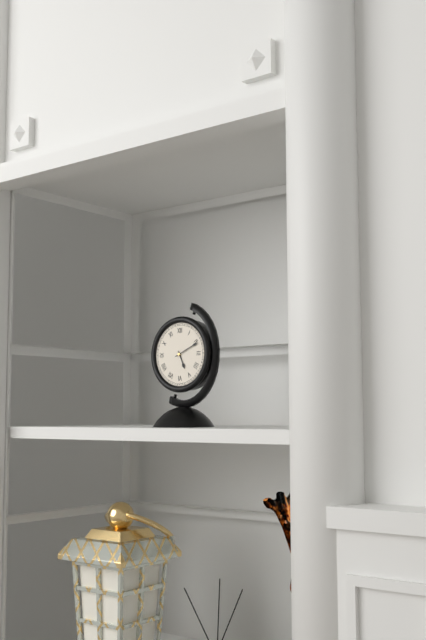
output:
5:11
